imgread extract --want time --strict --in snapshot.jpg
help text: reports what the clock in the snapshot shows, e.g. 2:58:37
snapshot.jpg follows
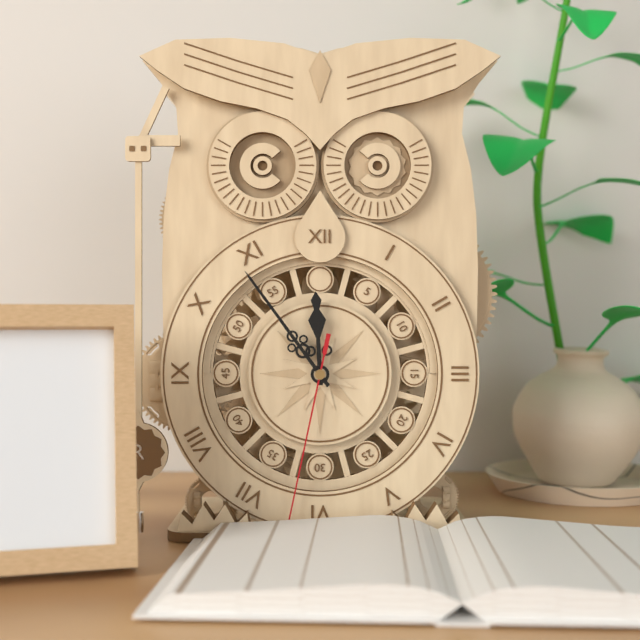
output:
11:54:32
